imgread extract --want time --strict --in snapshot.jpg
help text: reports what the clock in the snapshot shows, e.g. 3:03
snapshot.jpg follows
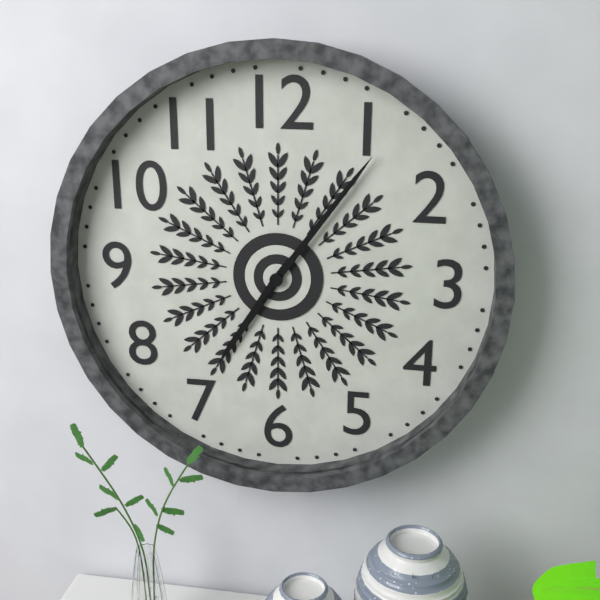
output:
7:06
